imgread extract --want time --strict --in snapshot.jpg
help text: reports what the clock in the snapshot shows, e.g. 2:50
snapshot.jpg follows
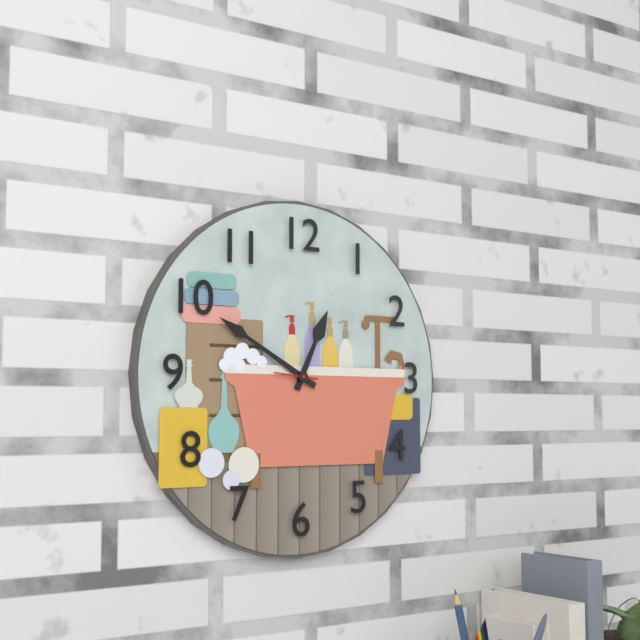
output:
12:50
